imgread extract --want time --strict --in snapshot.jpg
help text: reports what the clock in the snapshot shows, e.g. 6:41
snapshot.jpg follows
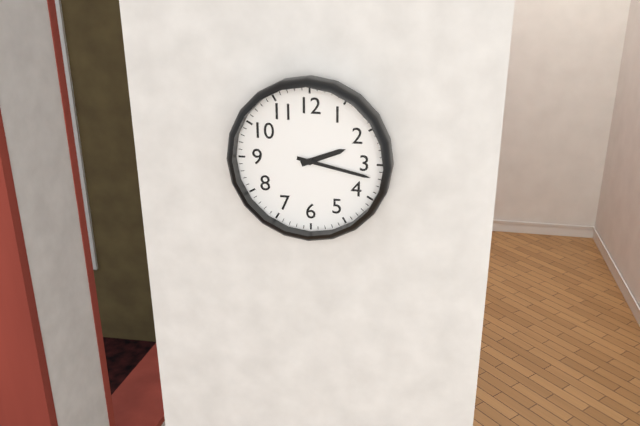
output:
2:17
